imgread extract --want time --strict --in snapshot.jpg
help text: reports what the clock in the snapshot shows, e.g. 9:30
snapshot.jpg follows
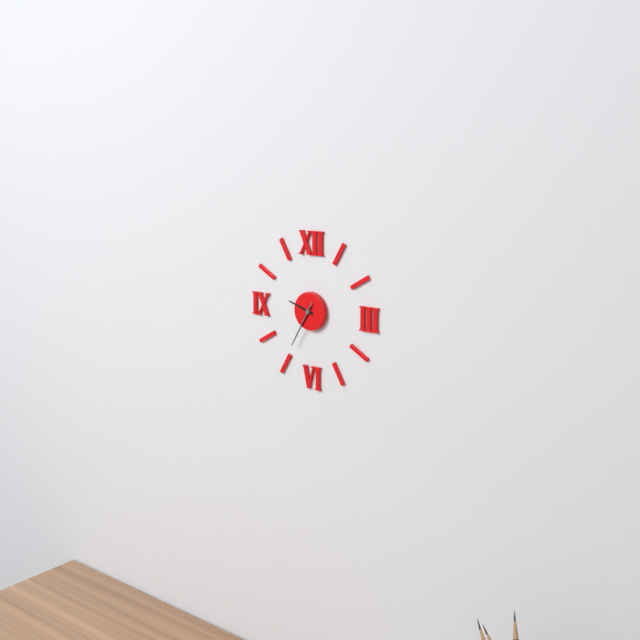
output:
9:35
